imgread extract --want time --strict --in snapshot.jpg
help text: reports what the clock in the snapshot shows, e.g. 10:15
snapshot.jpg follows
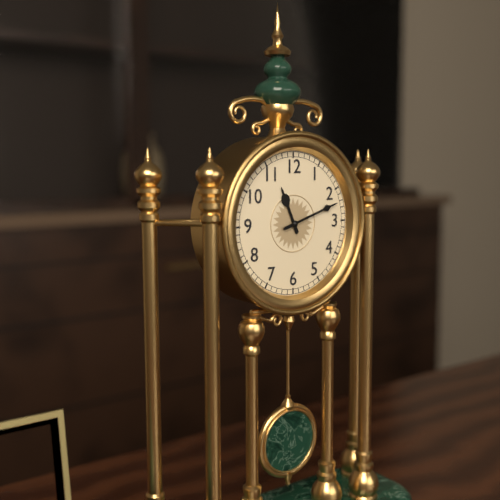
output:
11:12
